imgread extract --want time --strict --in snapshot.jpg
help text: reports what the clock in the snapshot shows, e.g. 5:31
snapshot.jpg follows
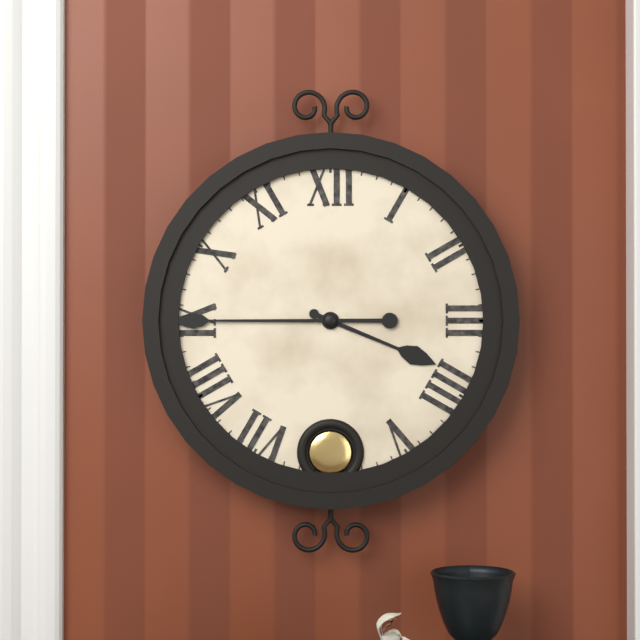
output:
3:45
